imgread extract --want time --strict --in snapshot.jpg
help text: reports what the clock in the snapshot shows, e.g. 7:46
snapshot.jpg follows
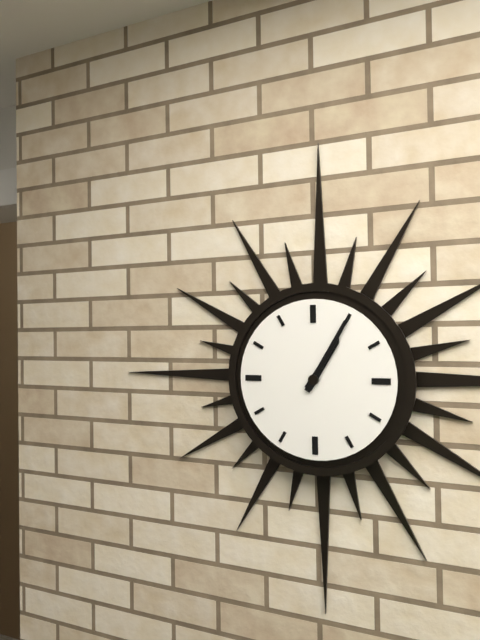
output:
1:05
